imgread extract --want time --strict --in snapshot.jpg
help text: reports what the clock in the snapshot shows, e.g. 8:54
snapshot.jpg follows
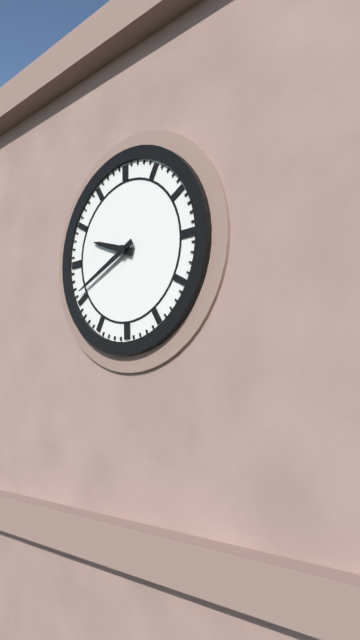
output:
9:41
